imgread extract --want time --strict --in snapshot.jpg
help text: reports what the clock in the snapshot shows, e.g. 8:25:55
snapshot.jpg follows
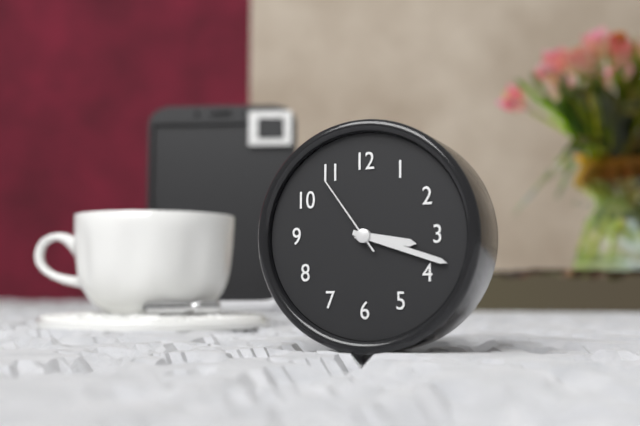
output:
3:18:54
